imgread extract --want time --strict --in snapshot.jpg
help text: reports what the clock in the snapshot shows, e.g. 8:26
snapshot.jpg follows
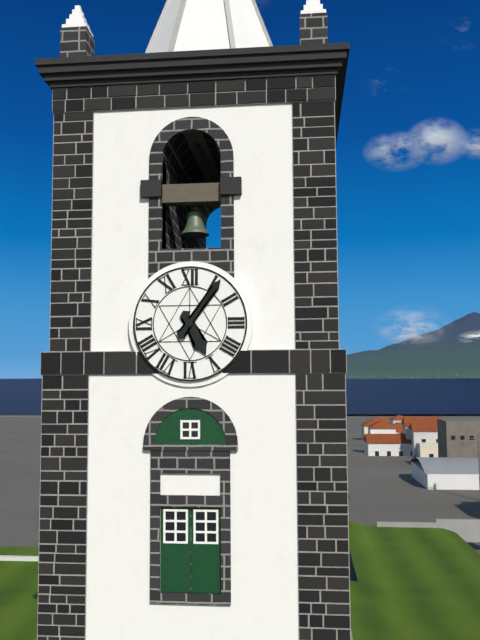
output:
5:06
